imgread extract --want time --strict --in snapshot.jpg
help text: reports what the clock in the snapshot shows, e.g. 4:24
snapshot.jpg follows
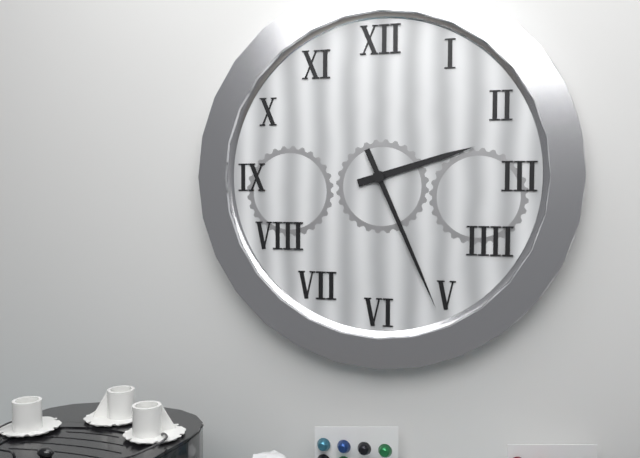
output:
2:26
